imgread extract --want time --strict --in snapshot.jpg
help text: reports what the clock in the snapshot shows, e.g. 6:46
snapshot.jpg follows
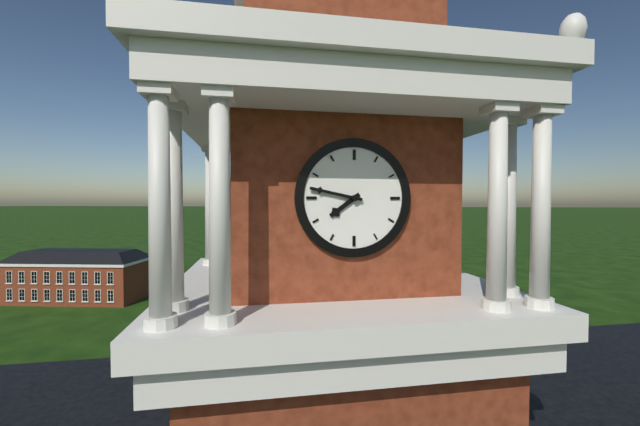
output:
7:47
